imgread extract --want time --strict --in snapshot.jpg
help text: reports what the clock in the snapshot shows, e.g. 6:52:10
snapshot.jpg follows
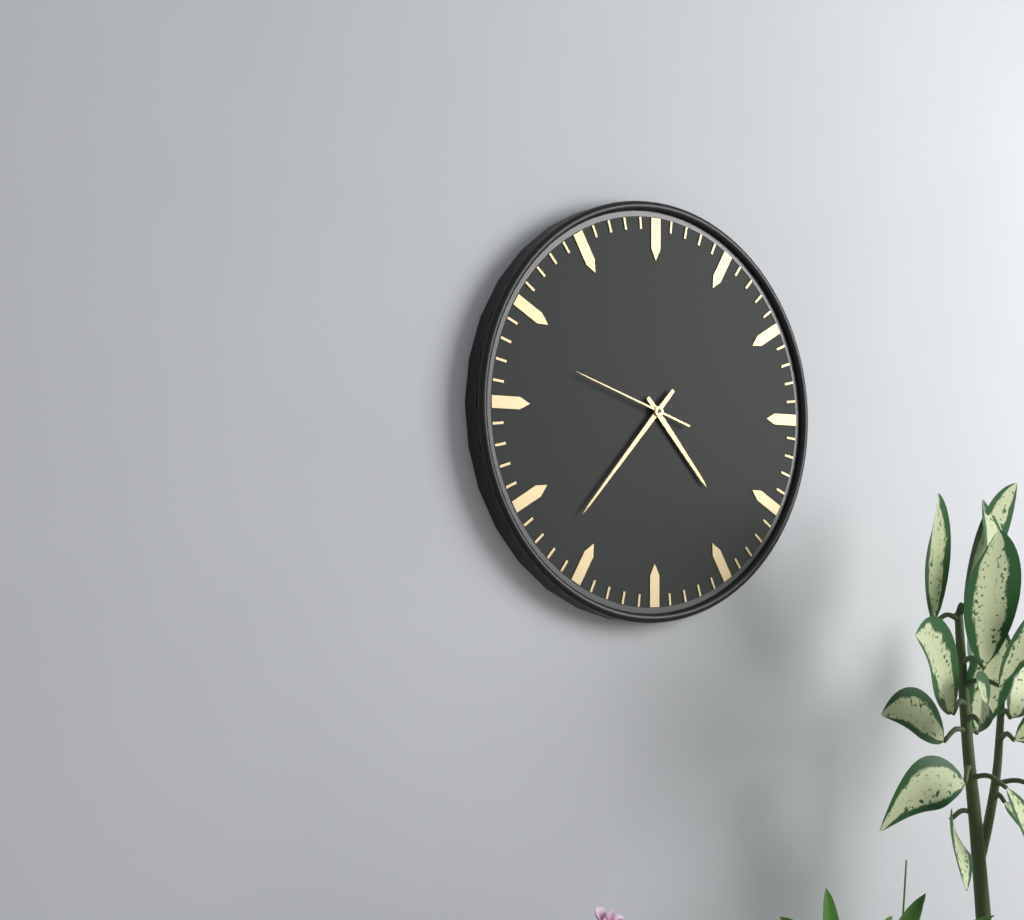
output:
4:37:48
